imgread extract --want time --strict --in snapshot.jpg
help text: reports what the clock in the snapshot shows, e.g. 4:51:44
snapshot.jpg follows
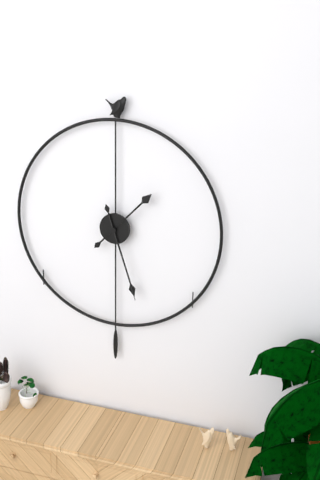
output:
1:27:27
